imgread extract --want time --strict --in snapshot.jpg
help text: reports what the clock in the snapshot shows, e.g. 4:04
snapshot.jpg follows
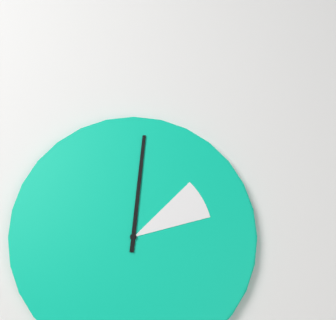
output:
2:01
